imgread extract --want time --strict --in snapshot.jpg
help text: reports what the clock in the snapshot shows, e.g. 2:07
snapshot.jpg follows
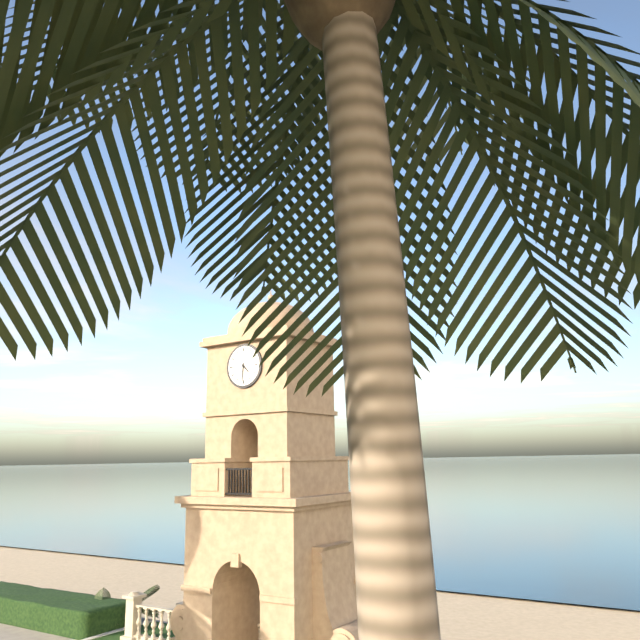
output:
4:31
